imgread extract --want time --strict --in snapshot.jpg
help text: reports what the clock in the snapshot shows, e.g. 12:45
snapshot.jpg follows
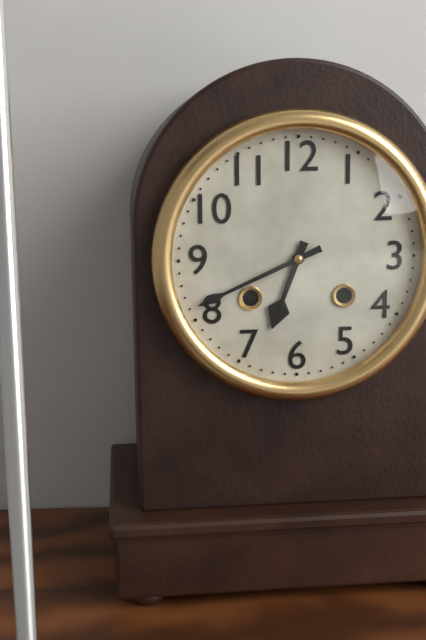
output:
6:41
